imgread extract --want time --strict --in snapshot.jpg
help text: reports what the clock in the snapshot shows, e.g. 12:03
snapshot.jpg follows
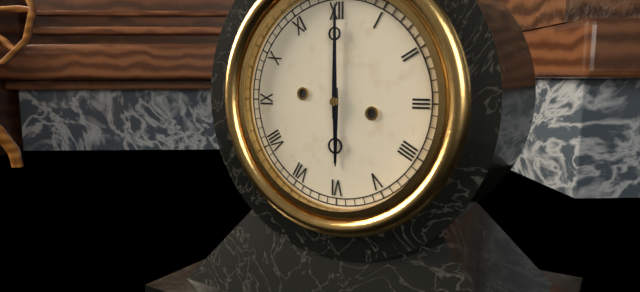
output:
6:00
